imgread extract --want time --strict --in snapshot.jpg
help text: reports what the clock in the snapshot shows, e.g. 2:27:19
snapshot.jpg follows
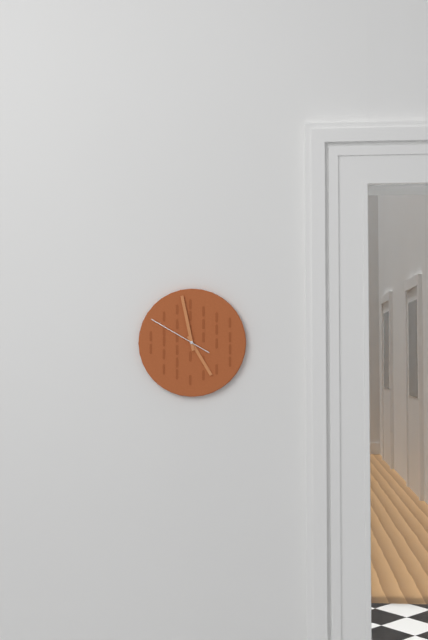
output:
4:58:50
